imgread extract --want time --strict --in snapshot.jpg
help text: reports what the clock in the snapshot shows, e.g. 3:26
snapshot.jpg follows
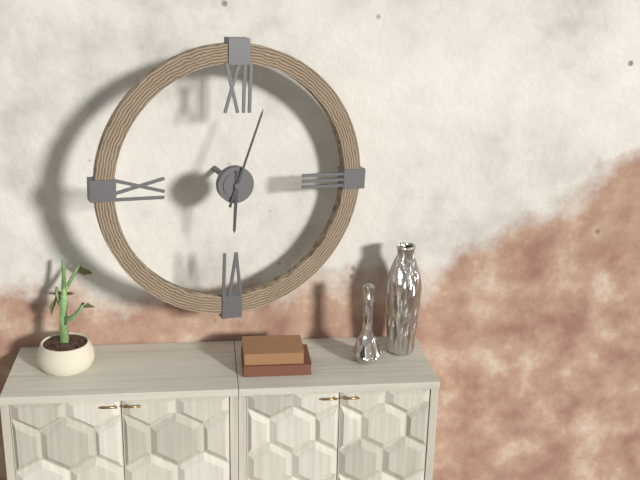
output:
6:03
